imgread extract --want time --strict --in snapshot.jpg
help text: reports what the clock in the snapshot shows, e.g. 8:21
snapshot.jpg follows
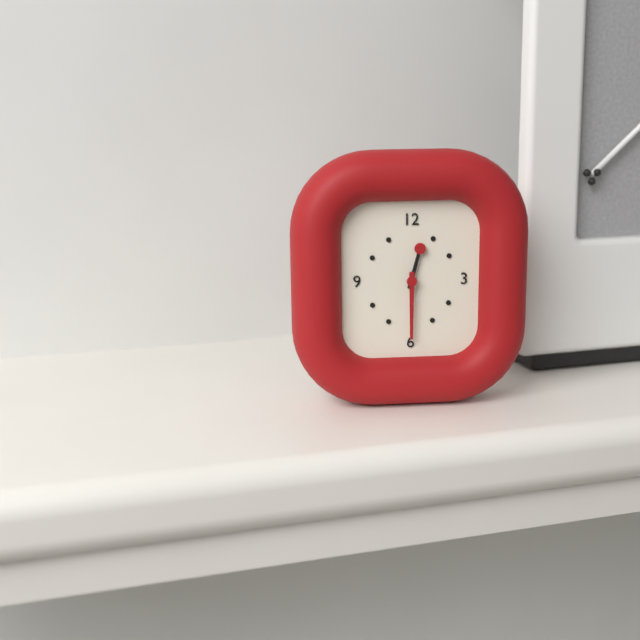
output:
12:30
